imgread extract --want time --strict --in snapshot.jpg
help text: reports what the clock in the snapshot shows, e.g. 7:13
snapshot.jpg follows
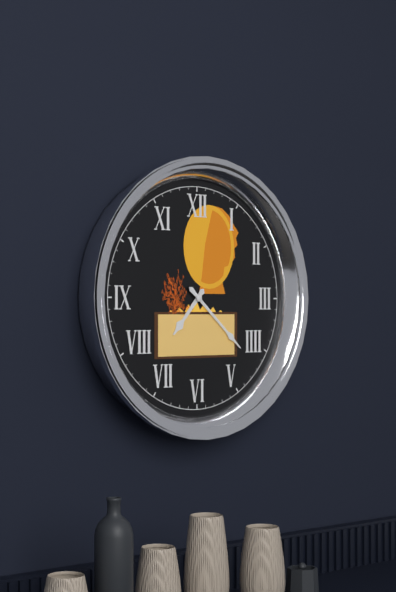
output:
7:22
